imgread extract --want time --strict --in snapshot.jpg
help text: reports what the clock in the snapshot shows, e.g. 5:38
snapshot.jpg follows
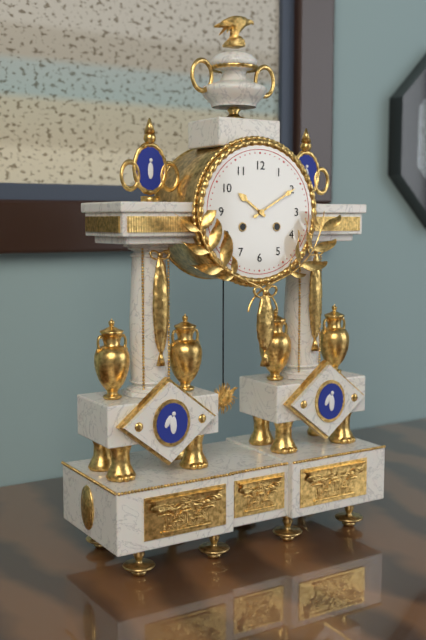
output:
10:10
